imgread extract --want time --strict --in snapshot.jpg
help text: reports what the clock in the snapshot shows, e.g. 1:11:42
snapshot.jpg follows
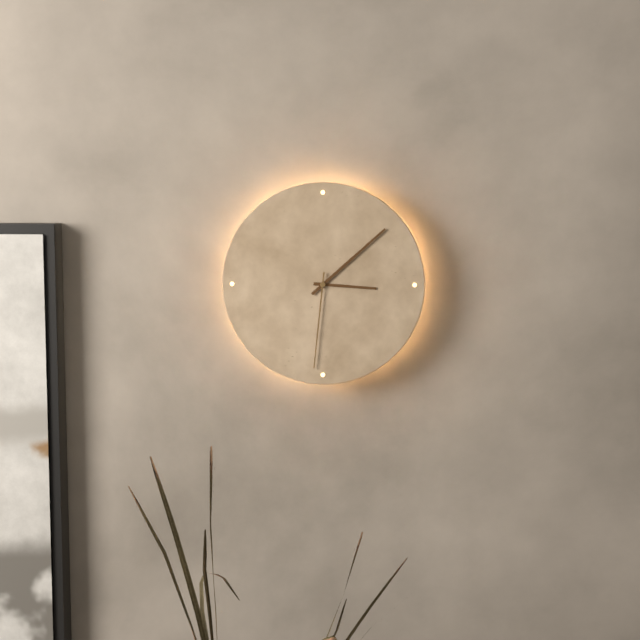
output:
3:08:31
